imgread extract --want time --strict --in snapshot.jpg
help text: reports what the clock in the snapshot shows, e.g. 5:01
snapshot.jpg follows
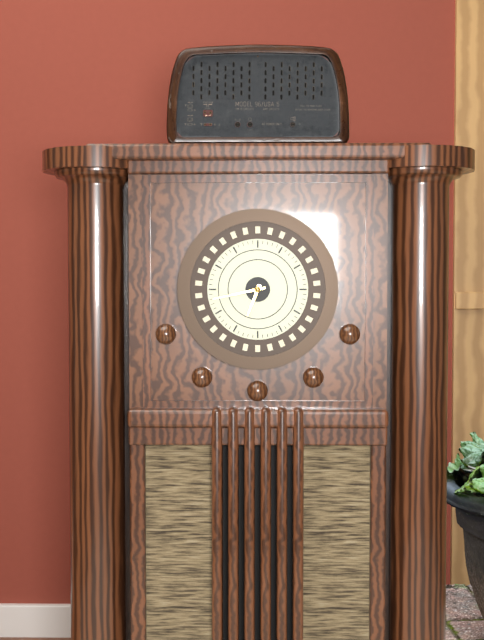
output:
6:43
